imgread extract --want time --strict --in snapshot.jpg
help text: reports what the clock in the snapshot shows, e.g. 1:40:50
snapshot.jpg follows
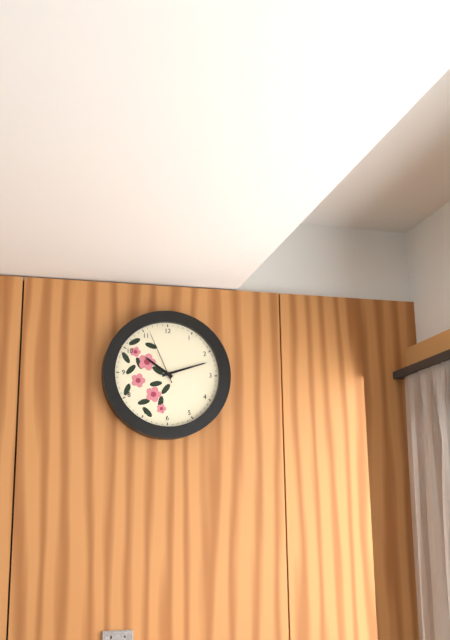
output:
10:12:56
